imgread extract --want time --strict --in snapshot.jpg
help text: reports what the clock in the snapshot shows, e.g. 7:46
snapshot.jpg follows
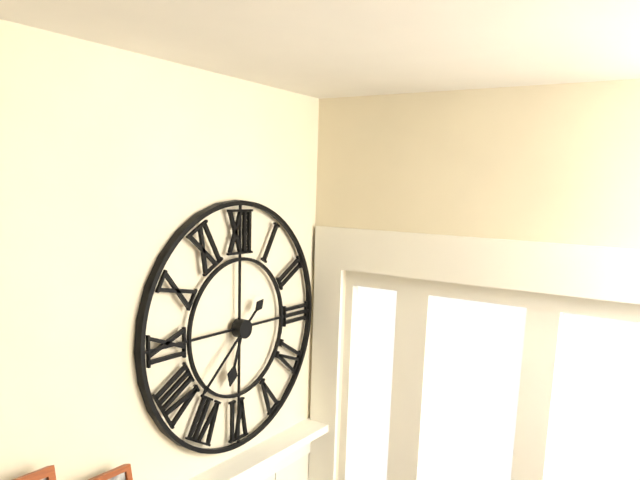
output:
6:38
